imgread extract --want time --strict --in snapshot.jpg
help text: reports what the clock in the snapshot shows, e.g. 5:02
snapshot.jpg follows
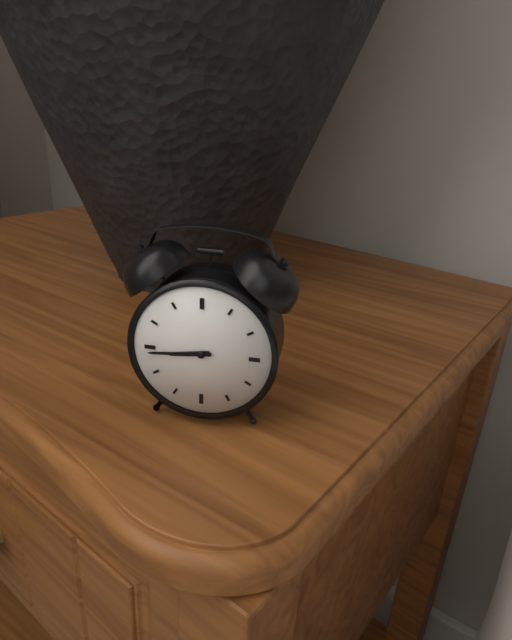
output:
8:44
